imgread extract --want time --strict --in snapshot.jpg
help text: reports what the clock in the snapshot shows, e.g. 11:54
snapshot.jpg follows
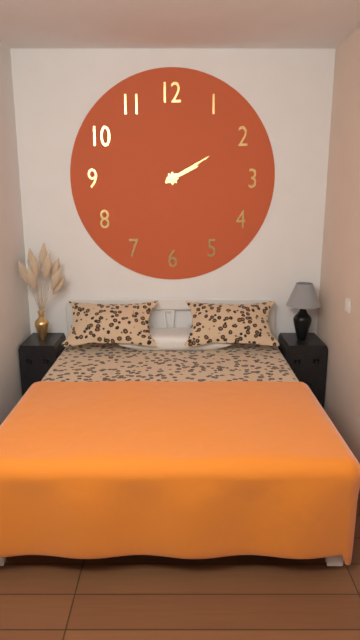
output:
2:10
